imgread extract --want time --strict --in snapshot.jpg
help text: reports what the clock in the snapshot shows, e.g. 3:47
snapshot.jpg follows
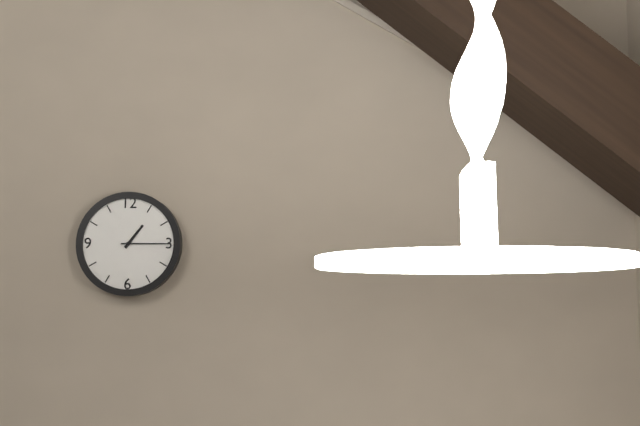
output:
1:15
